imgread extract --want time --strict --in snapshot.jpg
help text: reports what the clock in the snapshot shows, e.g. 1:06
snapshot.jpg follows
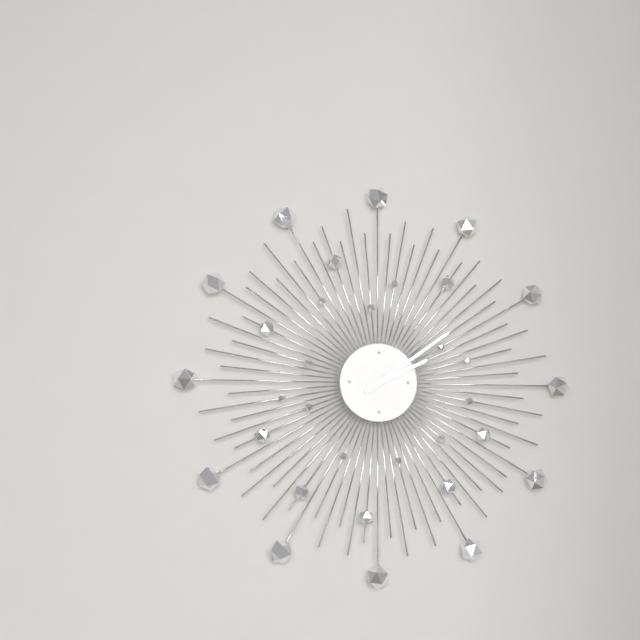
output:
2:09
